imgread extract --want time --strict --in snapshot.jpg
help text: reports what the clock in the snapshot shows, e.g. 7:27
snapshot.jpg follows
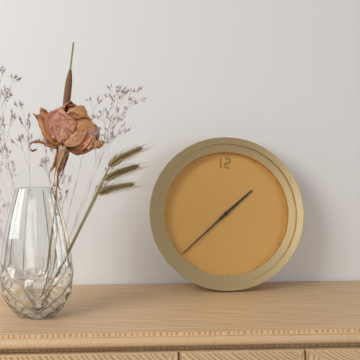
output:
1:38
